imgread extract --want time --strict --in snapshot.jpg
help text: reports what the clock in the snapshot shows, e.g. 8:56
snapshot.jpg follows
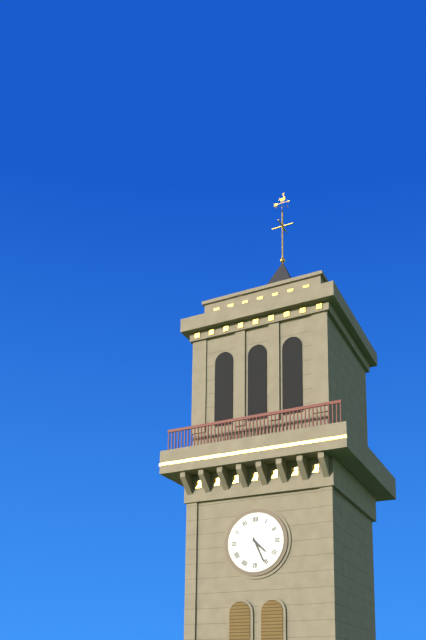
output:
4:26
